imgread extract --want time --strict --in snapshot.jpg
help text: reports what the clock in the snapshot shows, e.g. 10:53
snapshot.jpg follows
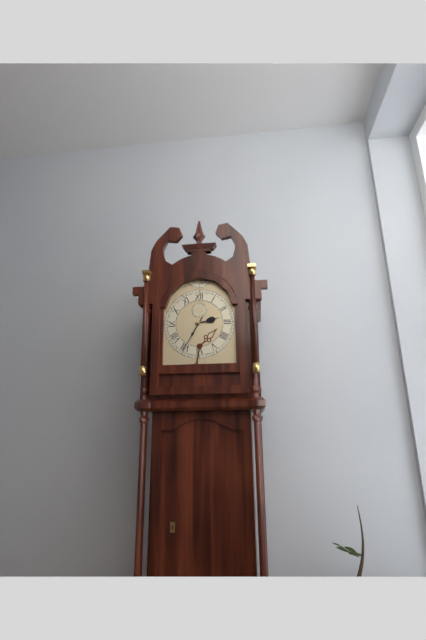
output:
2:35
